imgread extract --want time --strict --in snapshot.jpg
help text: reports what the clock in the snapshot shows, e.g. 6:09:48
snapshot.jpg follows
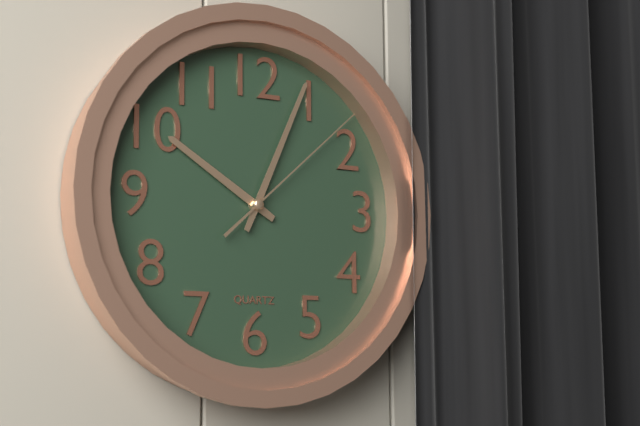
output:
10:04:08
